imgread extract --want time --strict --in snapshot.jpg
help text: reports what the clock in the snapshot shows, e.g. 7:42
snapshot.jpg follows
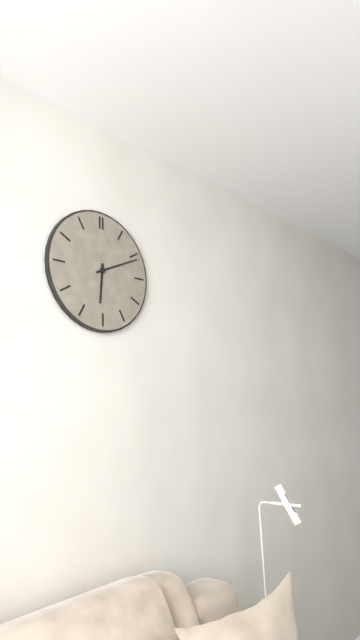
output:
6:11
